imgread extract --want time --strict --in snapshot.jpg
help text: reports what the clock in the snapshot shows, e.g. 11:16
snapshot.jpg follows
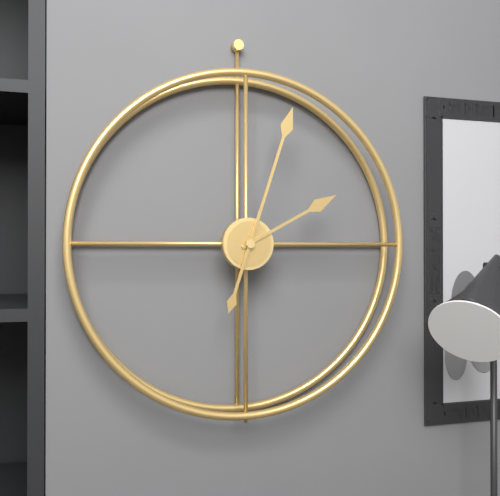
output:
2:03
